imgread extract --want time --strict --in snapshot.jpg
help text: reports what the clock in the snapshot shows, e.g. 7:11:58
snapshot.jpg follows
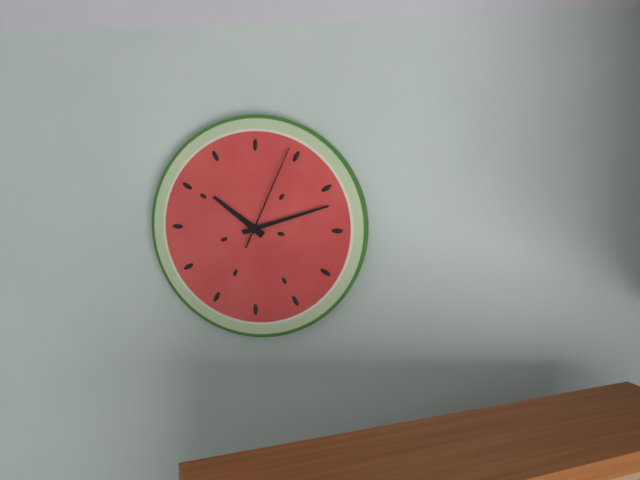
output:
10:12:04
